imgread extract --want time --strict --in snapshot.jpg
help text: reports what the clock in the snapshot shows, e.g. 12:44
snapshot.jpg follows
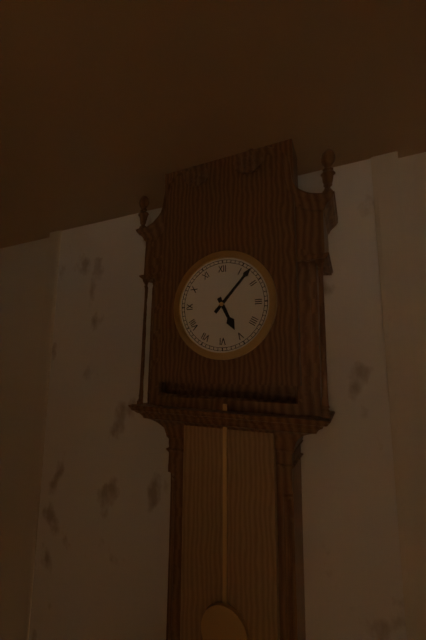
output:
5:07
